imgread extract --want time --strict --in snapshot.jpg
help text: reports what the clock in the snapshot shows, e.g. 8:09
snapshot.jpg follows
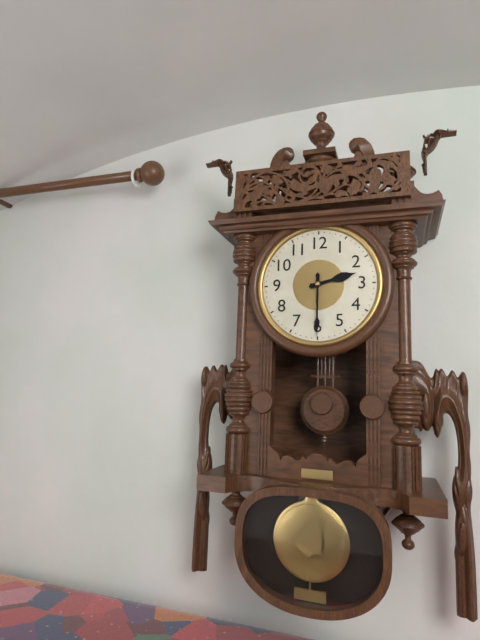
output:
2:30
